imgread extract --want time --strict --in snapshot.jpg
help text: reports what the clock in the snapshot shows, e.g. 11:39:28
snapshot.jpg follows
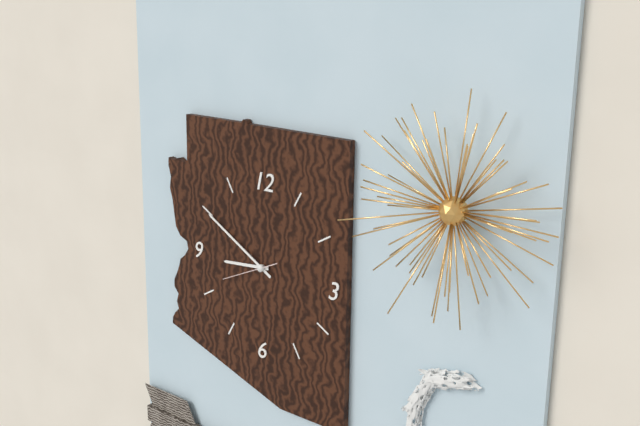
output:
8:50:41
